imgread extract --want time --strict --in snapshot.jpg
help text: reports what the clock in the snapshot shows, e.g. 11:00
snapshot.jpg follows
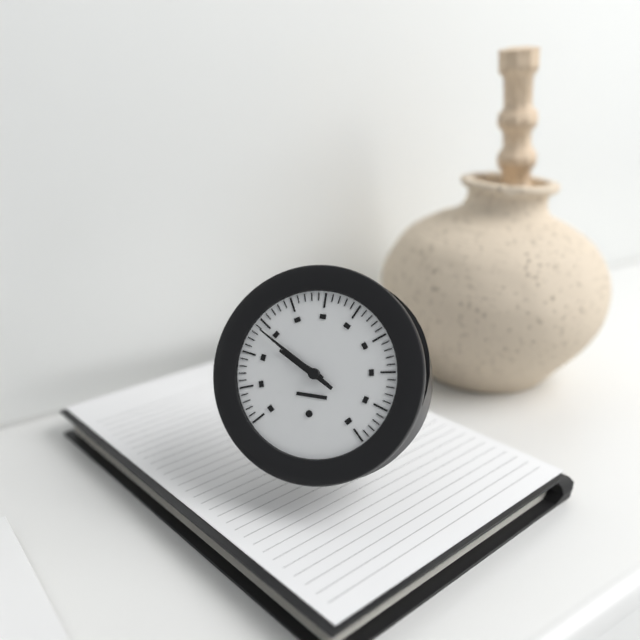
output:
9:50
